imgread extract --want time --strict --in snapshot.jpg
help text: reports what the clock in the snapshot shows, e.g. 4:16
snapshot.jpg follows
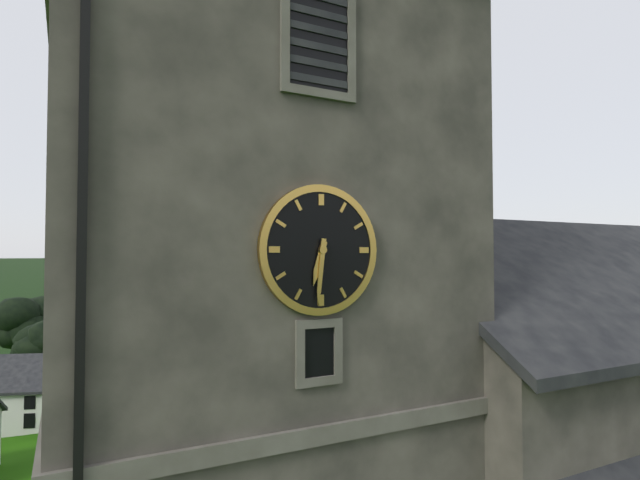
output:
6:31
